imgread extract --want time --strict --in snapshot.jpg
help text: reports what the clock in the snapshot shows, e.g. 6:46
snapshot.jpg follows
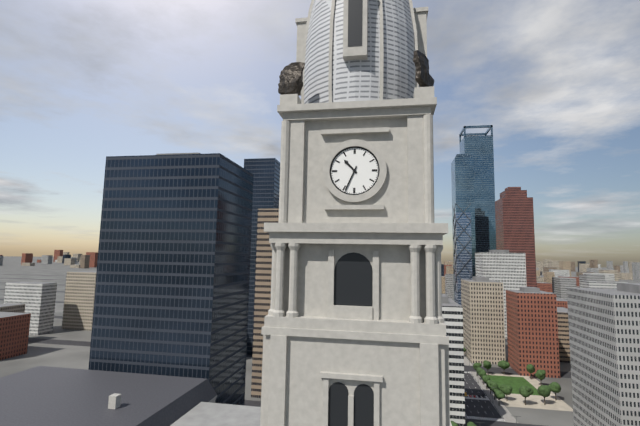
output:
10:34
